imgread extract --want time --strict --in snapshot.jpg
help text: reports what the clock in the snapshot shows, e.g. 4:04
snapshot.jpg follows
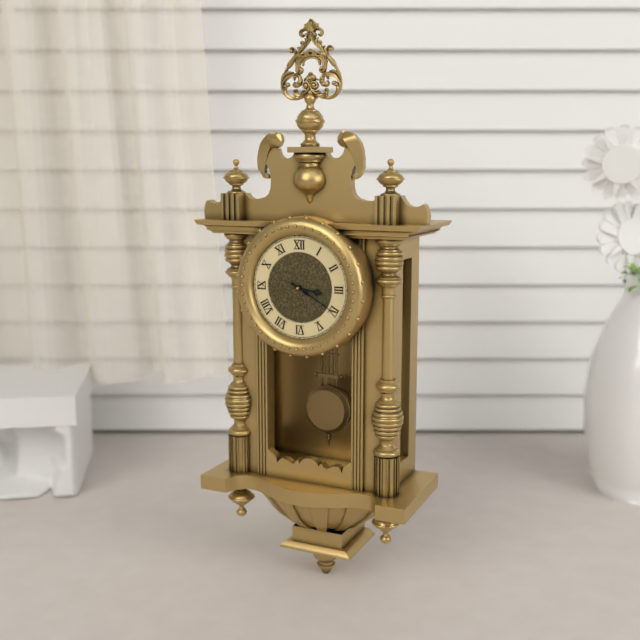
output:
3:20
